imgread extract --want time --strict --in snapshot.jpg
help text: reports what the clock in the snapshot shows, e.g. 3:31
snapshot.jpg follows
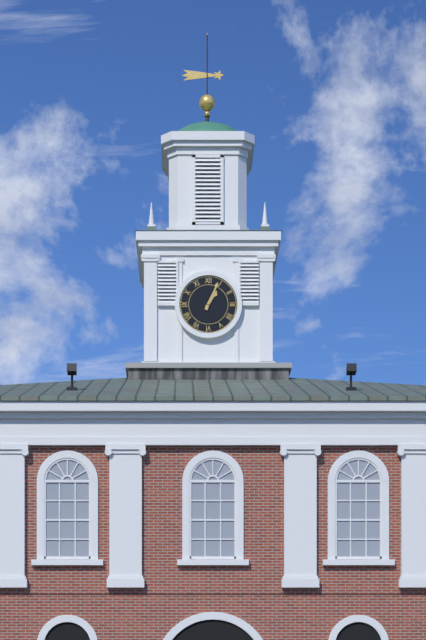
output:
1:04
